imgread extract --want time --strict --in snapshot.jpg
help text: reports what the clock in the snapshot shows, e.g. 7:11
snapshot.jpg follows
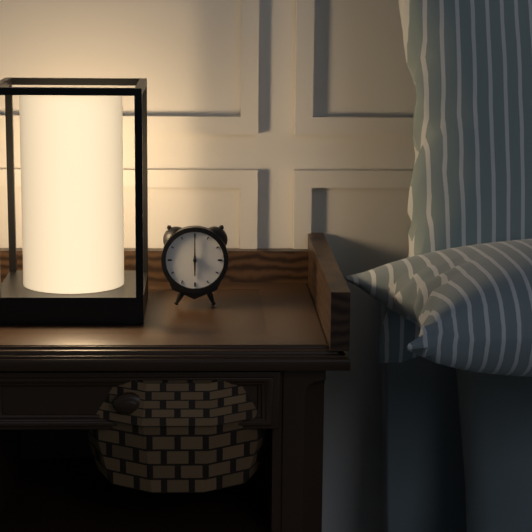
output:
6:00
